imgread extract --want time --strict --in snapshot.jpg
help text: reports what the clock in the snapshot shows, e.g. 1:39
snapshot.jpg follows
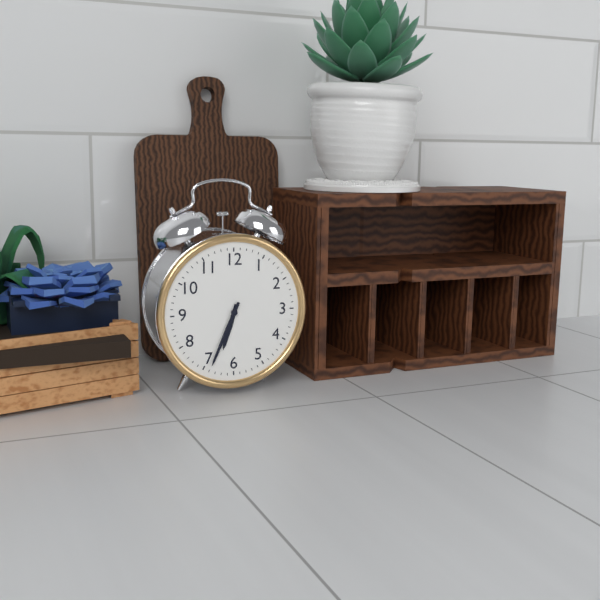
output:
6:34
